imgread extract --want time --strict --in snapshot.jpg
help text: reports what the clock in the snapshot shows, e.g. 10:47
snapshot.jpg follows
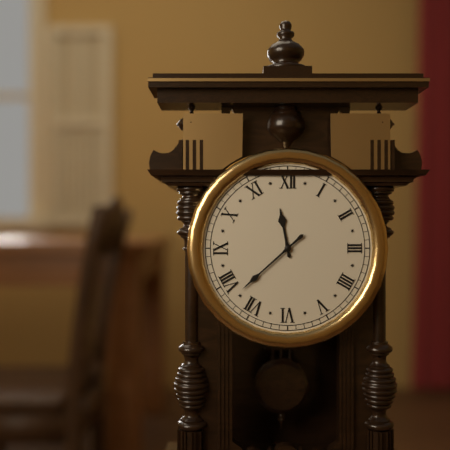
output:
11:38
